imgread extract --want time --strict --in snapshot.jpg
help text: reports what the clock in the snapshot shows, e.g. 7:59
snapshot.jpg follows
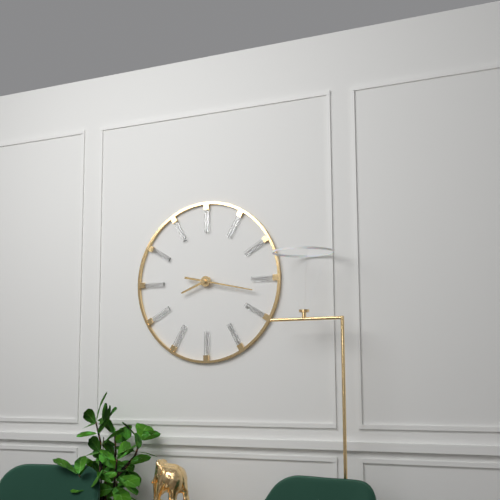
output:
8:17
